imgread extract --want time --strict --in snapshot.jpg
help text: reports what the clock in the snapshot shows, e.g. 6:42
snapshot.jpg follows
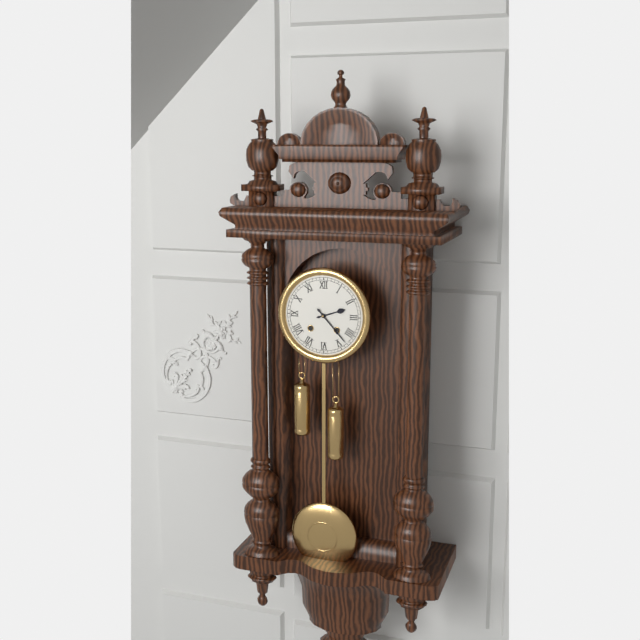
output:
2:23
